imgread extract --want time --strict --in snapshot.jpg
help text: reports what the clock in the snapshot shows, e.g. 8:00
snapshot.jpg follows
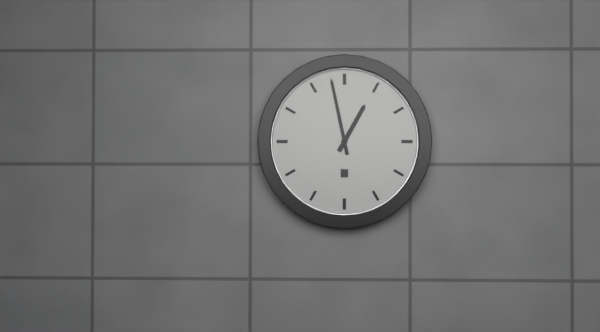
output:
12:58
